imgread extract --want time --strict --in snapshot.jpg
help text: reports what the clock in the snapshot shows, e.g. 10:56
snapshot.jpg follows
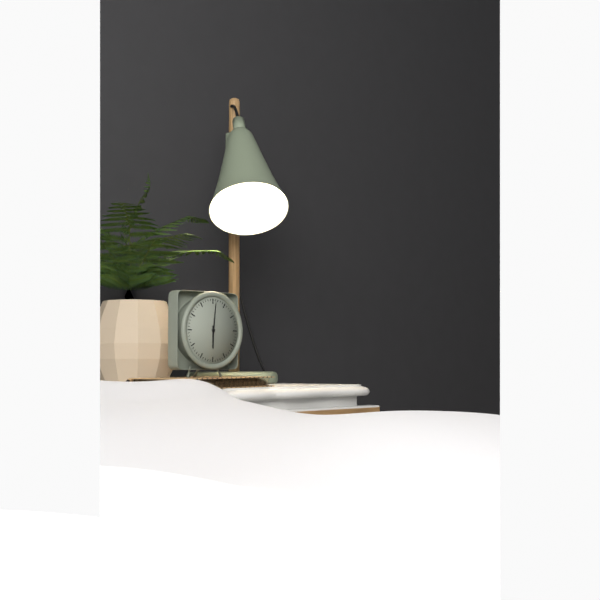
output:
6:01
